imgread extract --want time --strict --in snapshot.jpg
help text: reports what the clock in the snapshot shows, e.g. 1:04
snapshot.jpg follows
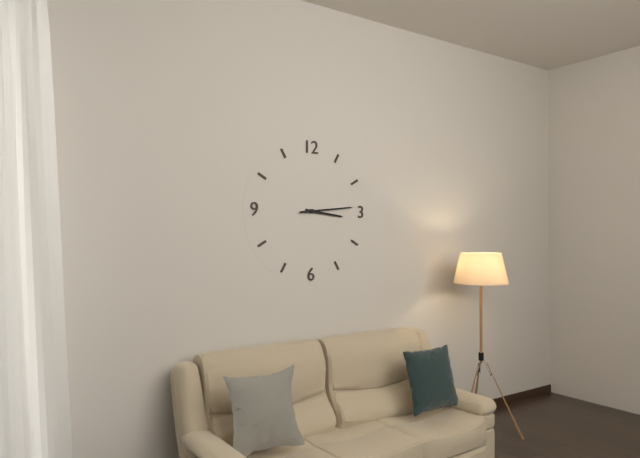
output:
3:14
